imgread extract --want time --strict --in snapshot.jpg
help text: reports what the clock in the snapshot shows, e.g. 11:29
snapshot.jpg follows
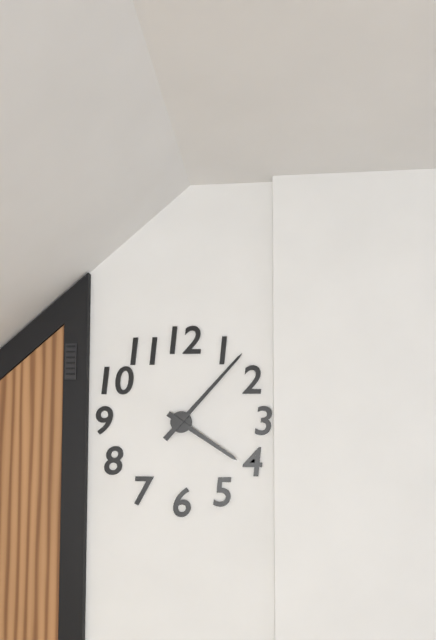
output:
4:07
